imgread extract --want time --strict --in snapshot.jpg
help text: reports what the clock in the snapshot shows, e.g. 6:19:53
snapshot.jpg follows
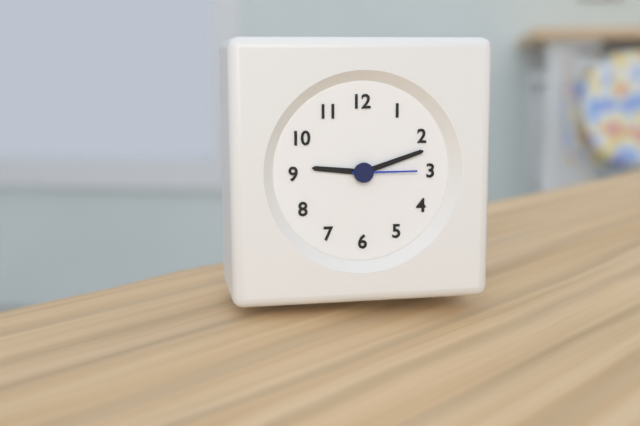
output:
9:12:15
